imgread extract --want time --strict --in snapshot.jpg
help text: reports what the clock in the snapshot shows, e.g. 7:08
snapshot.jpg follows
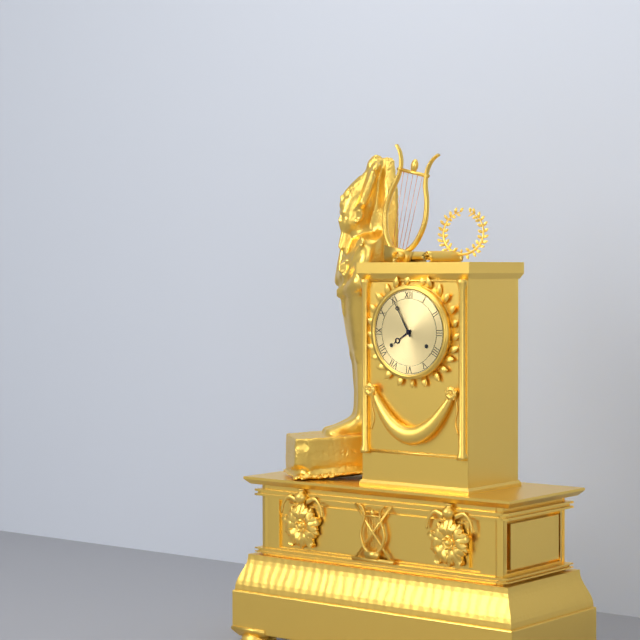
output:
7:55
